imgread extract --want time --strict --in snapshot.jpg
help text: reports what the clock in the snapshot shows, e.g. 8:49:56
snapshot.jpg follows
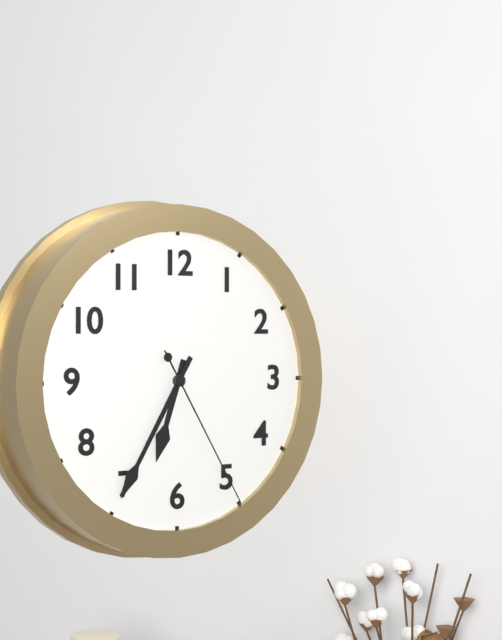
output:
6:35:25
